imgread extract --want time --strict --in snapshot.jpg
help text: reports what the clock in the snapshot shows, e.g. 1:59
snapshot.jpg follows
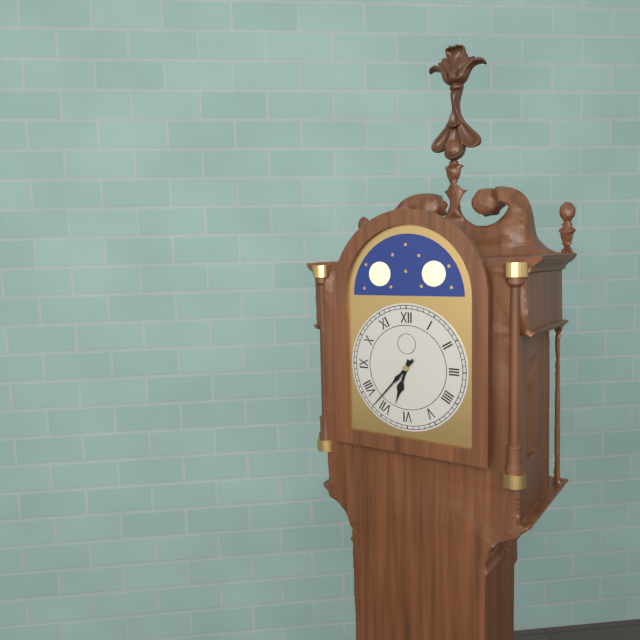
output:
6:37
